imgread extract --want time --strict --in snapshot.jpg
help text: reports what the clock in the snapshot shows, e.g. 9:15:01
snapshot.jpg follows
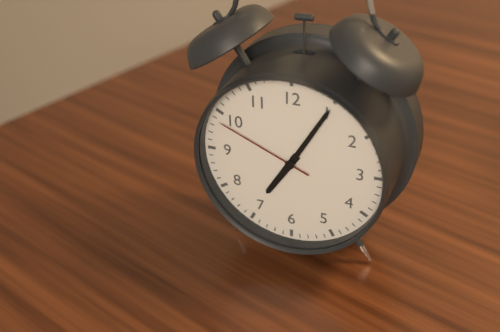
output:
7:05:49
